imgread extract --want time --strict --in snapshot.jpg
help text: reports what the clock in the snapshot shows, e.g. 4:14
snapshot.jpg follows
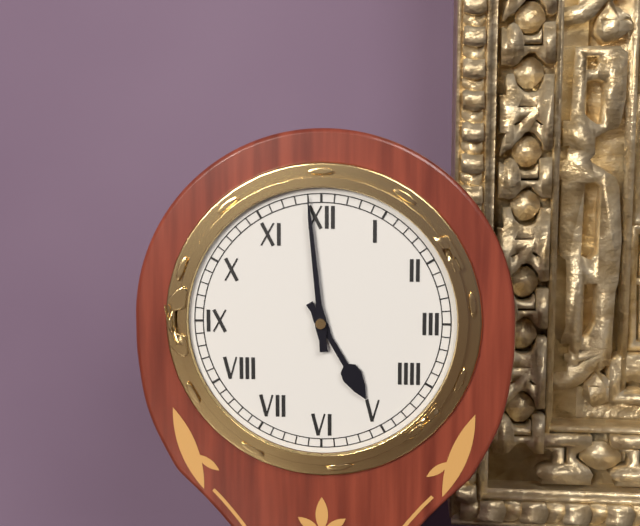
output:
4:59
